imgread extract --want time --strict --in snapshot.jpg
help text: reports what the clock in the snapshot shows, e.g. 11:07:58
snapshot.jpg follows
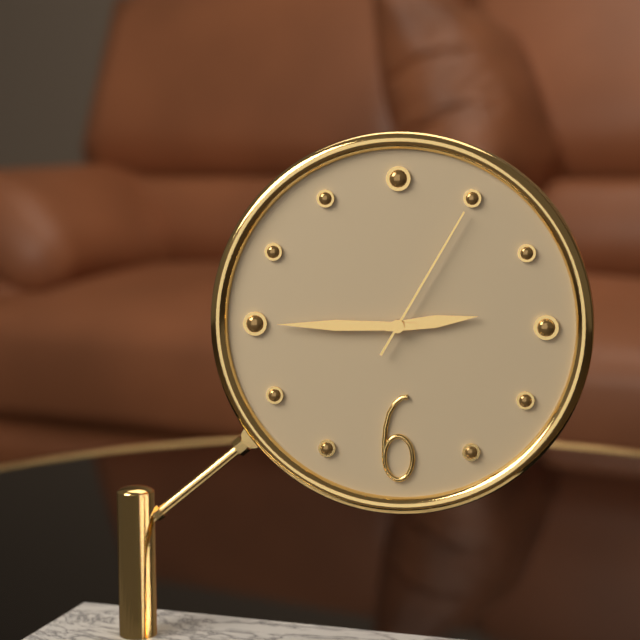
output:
2:45:05
